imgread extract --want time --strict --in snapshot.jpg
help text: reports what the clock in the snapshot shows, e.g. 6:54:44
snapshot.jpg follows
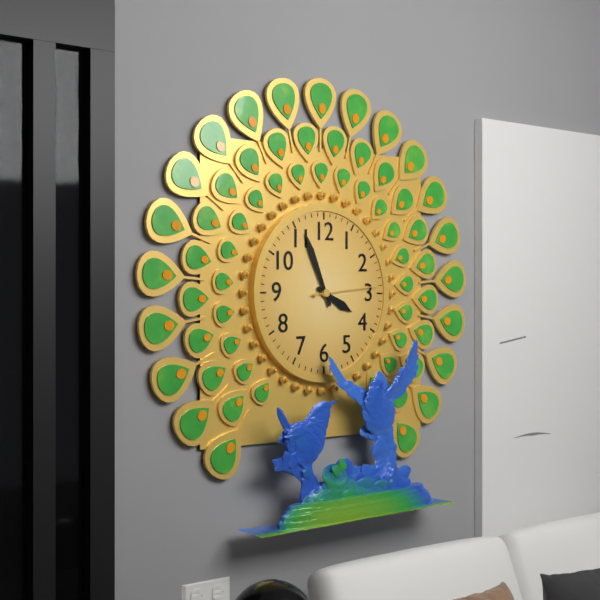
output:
3:56:14
